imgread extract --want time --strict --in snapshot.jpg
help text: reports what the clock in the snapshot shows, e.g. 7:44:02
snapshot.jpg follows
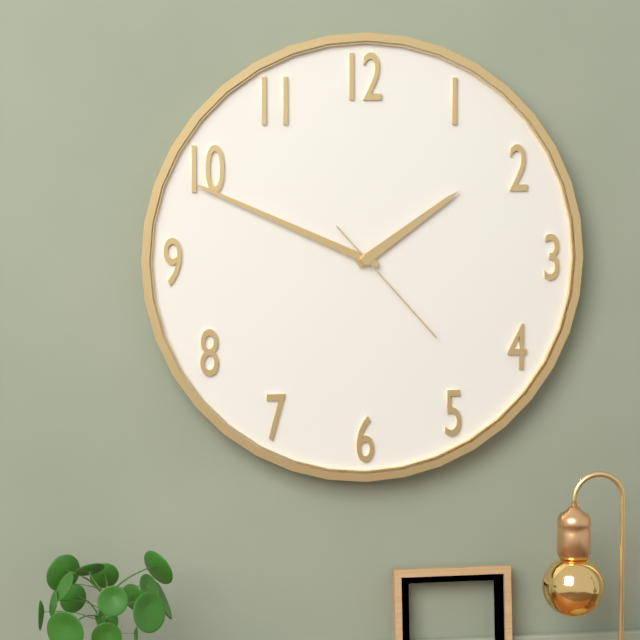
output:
1:49:23
